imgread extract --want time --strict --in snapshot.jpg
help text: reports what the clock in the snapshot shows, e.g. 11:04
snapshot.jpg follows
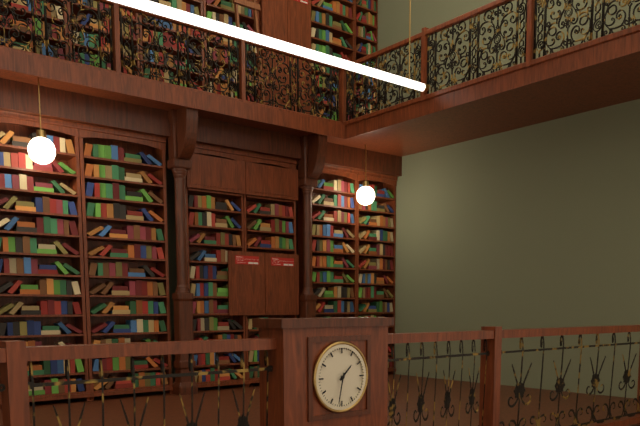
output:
1:32
